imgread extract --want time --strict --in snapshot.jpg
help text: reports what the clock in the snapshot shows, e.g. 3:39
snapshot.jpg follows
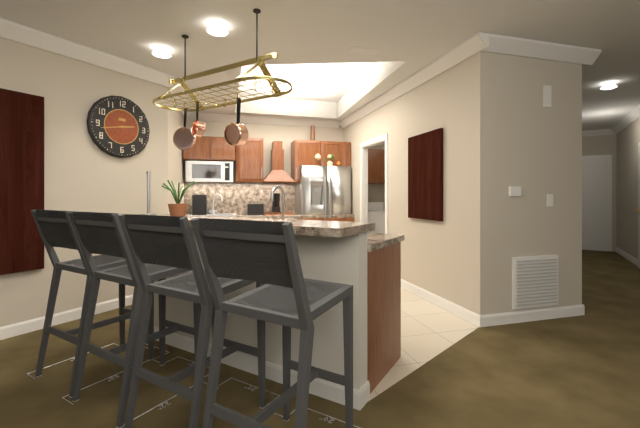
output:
2:43
